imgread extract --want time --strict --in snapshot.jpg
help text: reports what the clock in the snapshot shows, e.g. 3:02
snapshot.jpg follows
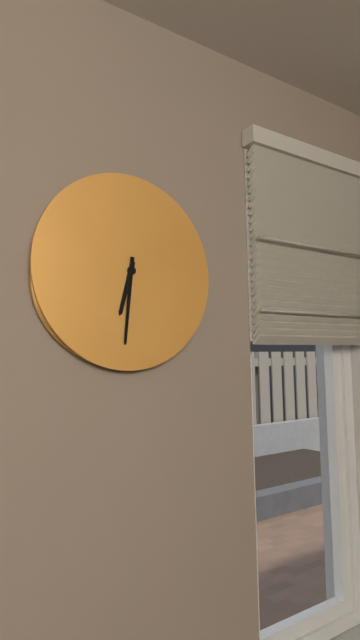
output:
6:31
